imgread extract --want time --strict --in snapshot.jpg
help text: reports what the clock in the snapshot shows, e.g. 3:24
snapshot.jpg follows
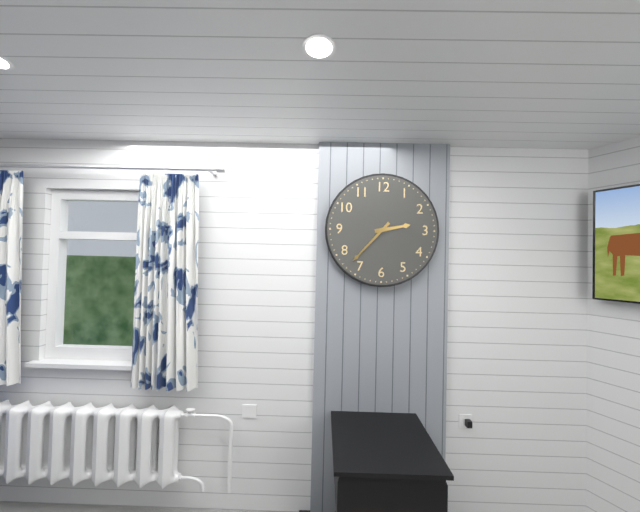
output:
2:37
